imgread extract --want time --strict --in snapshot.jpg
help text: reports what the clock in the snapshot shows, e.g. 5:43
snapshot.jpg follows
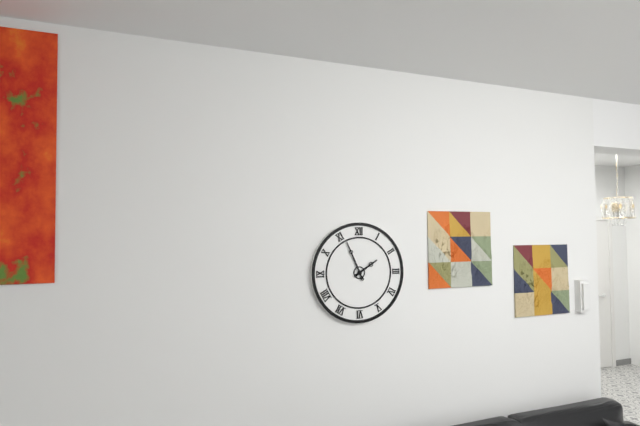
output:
1:56
